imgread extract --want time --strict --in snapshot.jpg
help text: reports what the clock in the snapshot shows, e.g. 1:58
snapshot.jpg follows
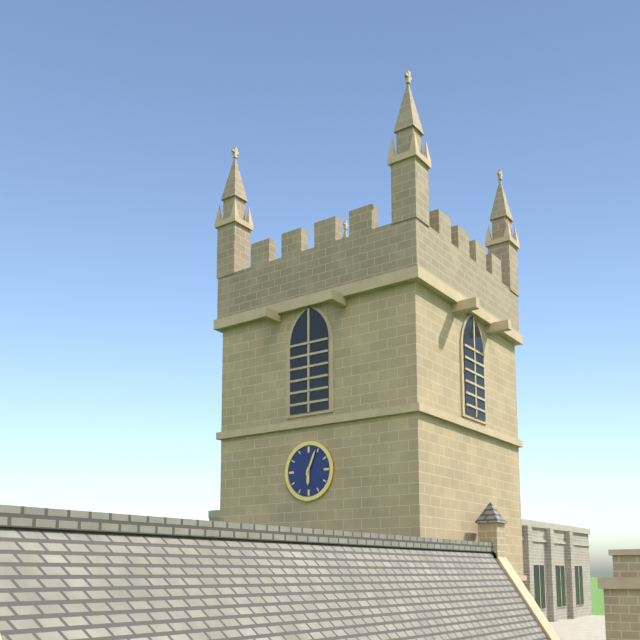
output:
6:04
